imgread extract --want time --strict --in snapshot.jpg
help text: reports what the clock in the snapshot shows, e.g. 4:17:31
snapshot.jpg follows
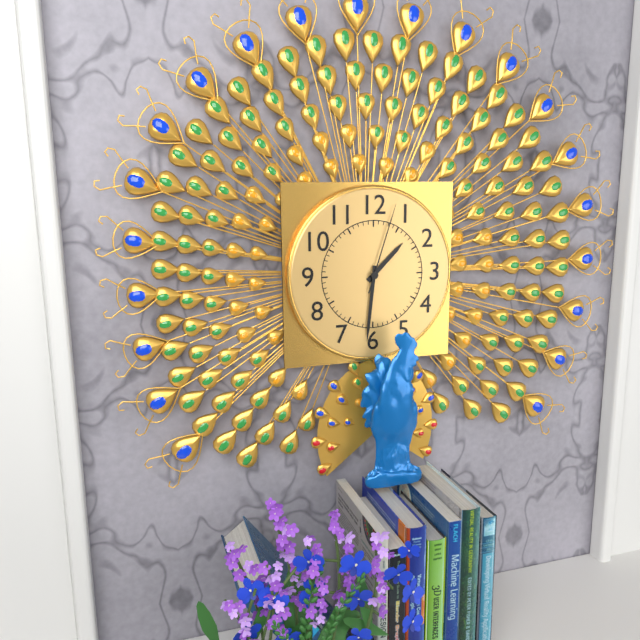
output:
1:31:03
